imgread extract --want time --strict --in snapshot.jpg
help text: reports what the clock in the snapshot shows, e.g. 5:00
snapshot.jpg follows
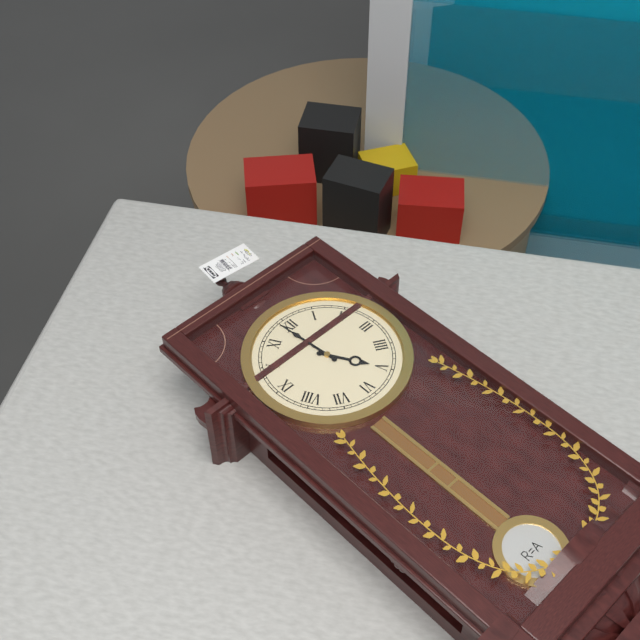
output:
4:59
